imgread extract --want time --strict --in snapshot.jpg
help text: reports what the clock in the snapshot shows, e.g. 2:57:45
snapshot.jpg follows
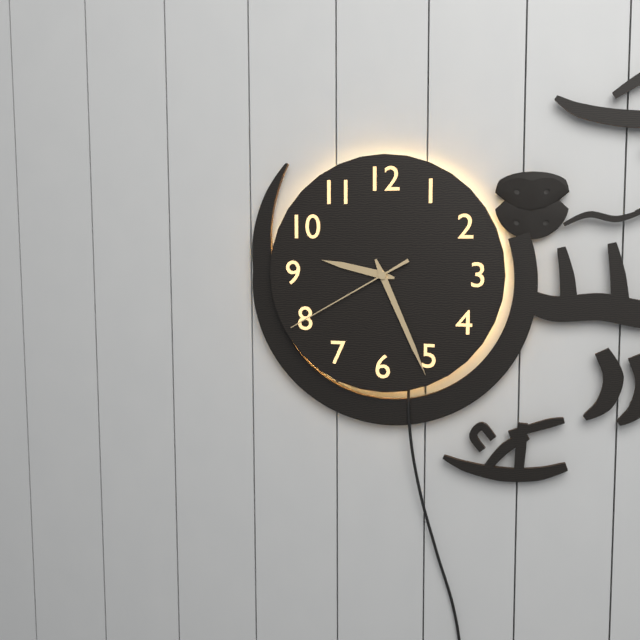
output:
9:26:40
